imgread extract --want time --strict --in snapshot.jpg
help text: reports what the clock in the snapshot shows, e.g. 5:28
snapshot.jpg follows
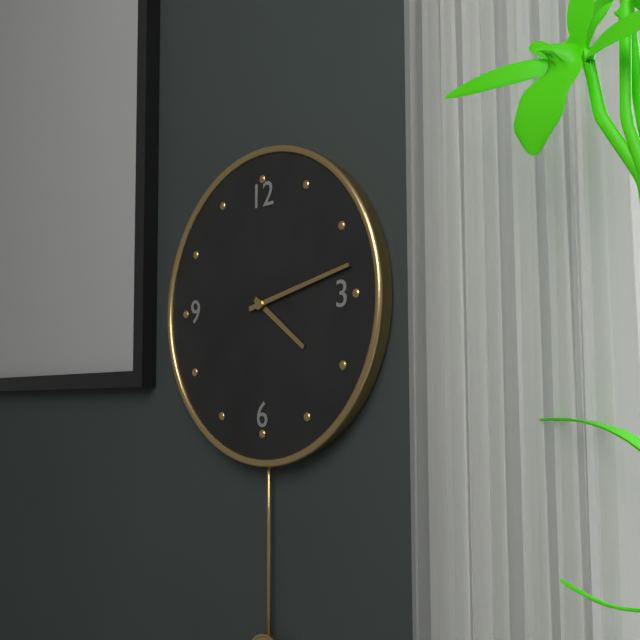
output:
4:13
